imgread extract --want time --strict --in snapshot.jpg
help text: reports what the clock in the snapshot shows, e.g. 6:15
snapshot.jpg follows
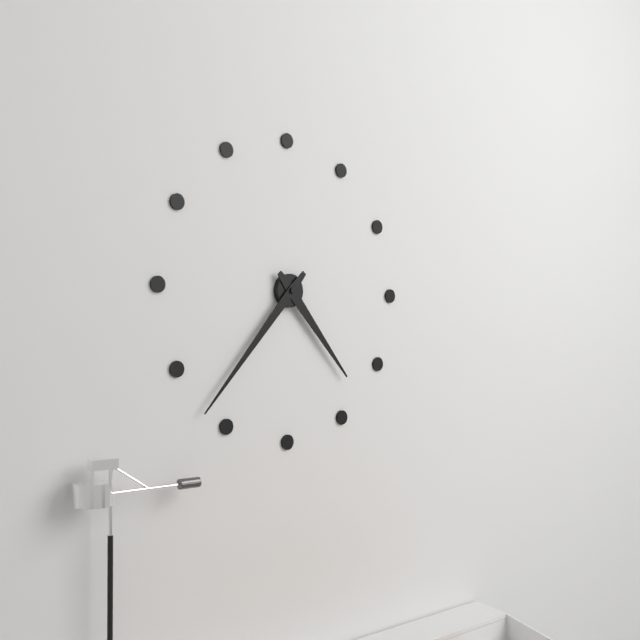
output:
4:37
